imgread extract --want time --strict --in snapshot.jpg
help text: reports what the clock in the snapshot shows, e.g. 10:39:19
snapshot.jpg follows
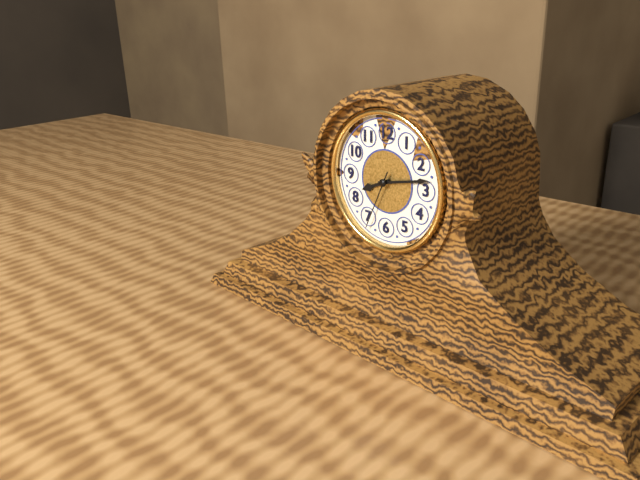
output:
8:13:34
